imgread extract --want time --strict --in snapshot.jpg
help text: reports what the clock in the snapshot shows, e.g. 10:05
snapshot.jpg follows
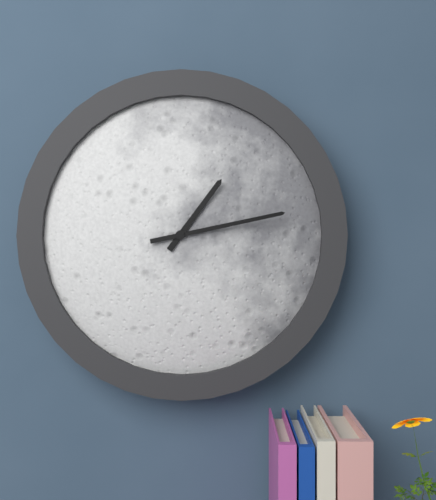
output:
1:13
